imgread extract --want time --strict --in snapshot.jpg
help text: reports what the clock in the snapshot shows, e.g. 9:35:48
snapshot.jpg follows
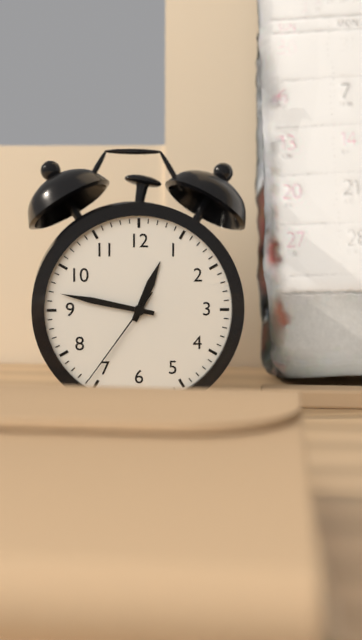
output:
12:47:36
